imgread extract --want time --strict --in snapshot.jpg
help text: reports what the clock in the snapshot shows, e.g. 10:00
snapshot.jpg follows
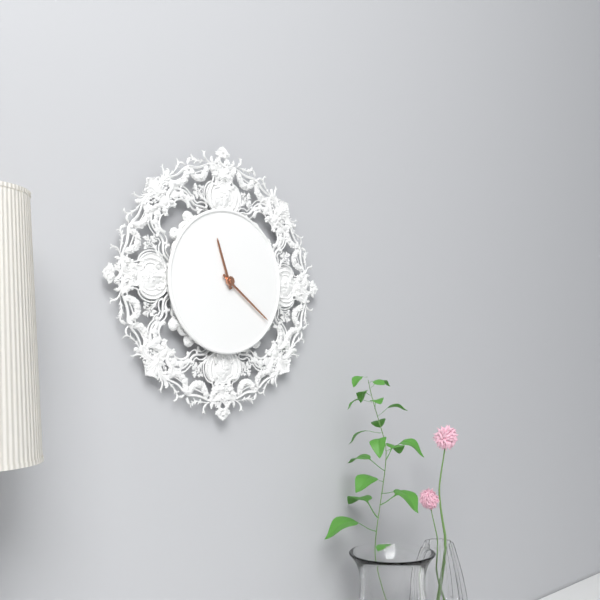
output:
11:21
